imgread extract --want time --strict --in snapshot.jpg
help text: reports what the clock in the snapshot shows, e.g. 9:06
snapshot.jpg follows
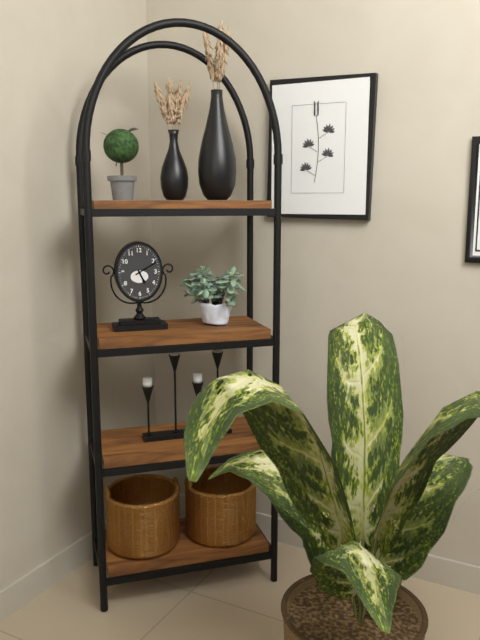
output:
5:10
